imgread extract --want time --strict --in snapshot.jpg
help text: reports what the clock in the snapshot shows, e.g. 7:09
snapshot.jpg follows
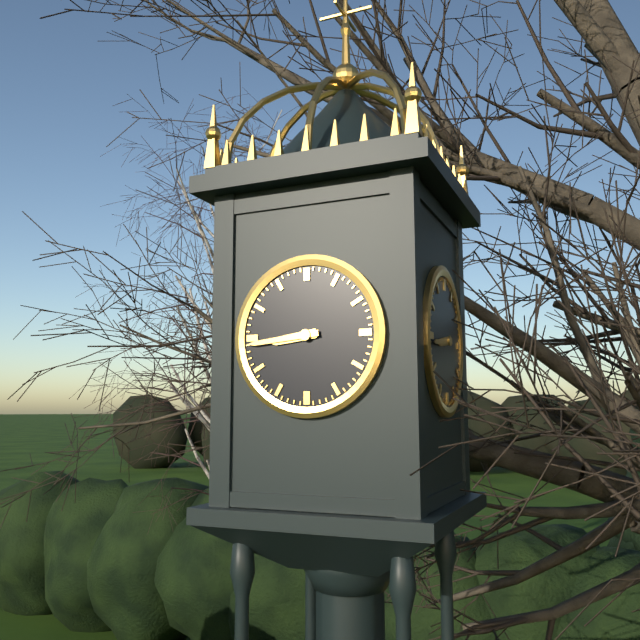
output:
8:44
